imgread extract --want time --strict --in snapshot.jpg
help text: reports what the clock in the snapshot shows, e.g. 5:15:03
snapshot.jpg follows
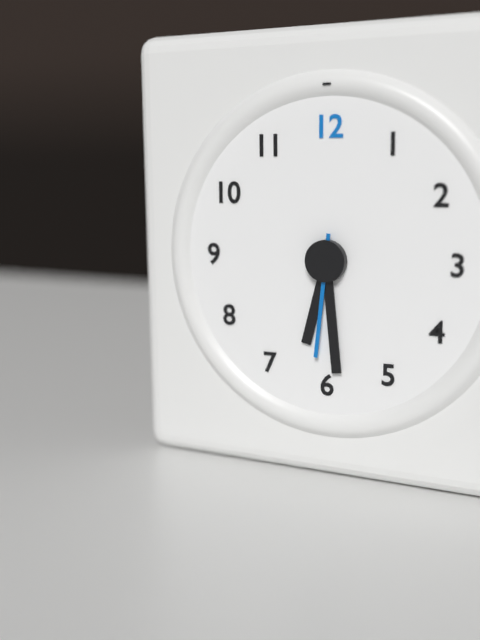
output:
6:29:31
